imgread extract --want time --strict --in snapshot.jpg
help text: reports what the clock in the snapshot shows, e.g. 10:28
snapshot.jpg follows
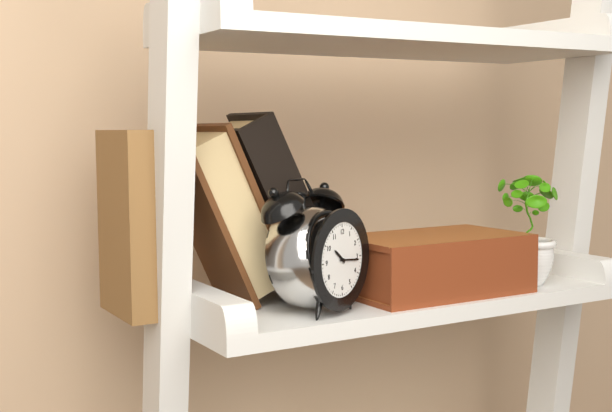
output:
10:16
